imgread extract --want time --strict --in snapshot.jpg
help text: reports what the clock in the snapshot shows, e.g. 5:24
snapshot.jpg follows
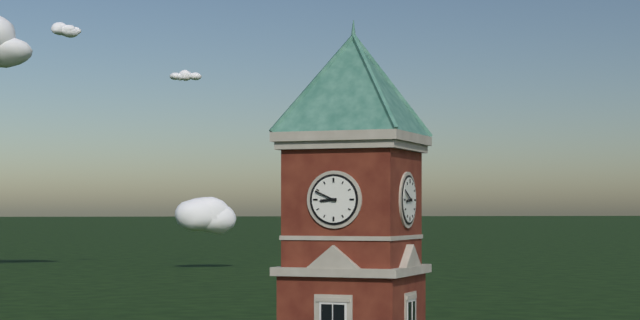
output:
8:49
